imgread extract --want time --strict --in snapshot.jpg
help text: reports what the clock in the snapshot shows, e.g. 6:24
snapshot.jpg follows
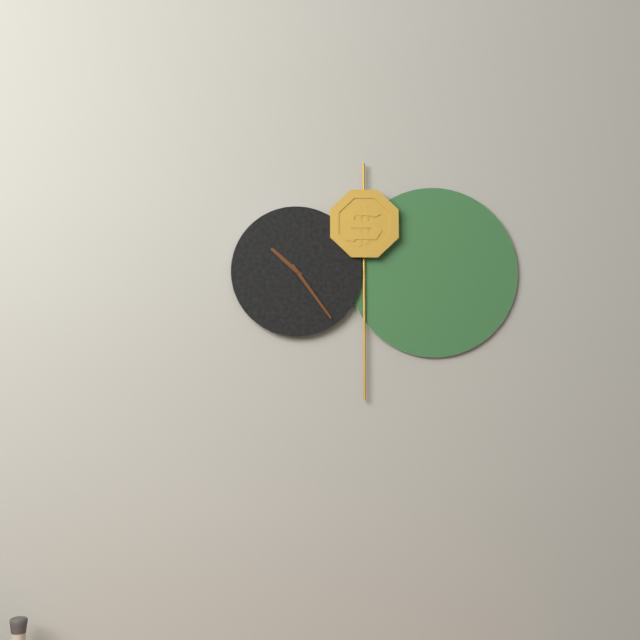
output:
10:24
